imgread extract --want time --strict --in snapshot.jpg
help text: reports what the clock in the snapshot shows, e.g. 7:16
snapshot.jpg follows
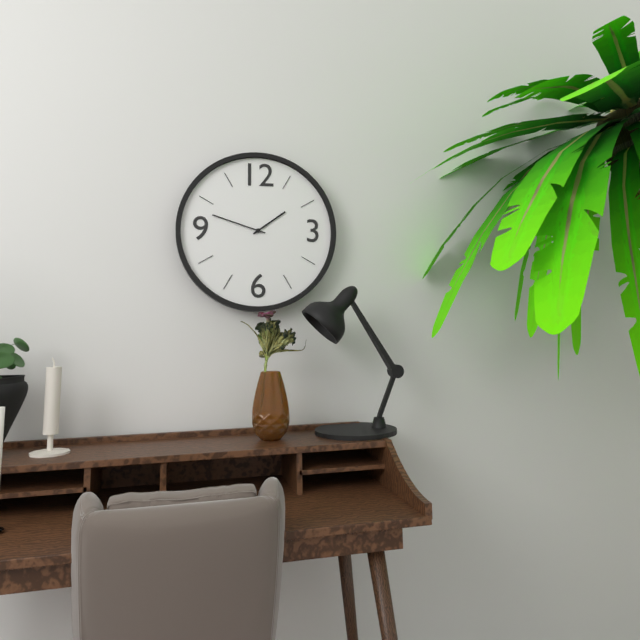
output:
1:48
